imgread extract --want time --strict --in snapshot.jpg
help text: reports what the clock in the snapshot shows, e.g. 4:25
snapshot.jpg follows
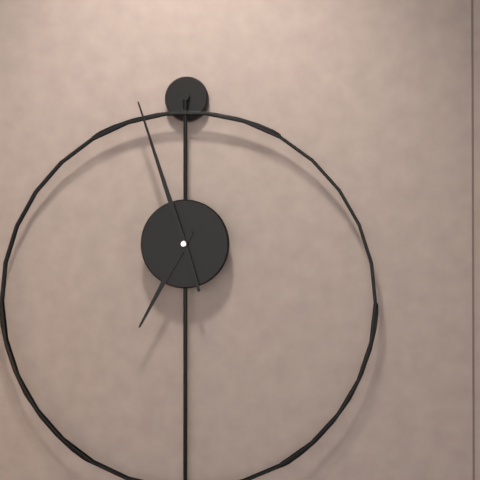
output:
6:57
